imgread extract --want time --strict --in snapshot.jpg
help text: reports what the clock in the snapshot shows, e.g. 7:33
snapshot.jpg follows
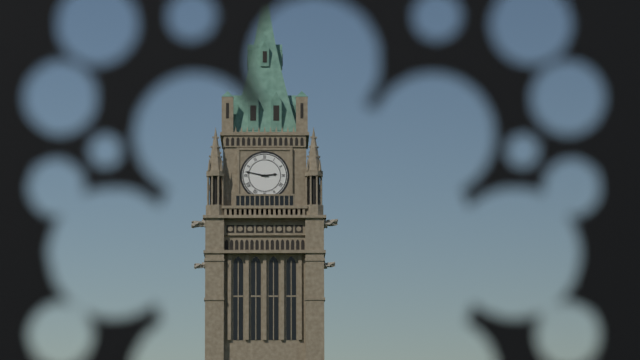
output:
2:47
